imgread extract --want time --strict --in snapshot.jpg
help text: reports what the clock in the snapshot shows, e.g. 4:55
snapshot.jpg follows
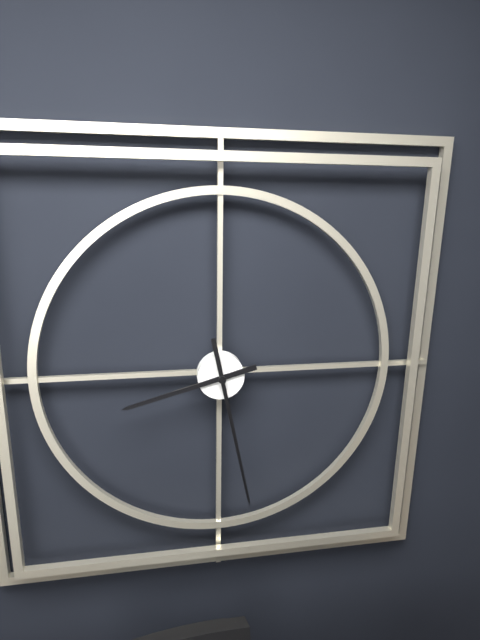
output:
8:28
